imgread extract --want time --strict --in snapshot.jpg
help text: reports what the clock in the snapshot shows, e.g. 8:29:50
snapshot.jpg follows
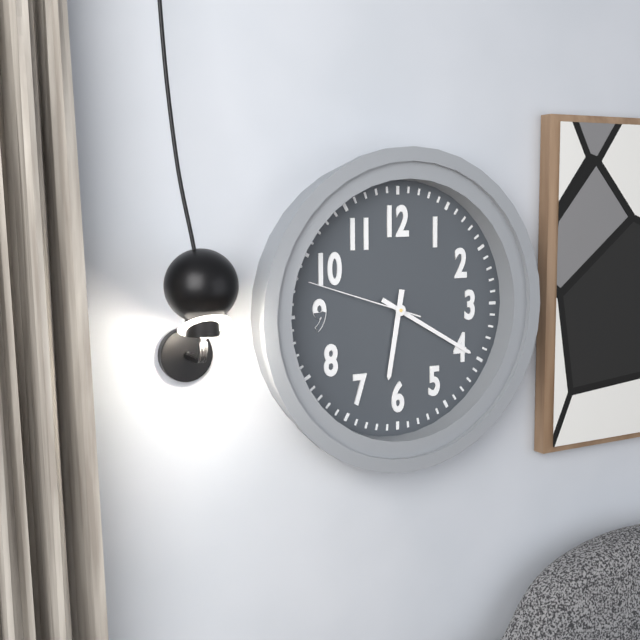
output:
6:20:48
